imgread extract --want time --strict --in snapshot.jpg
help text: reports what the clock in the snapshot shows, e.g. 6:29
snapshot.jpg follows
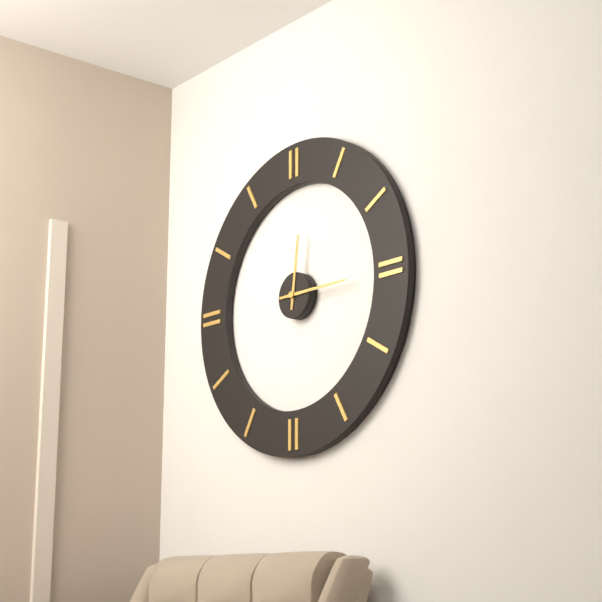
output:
12:15
